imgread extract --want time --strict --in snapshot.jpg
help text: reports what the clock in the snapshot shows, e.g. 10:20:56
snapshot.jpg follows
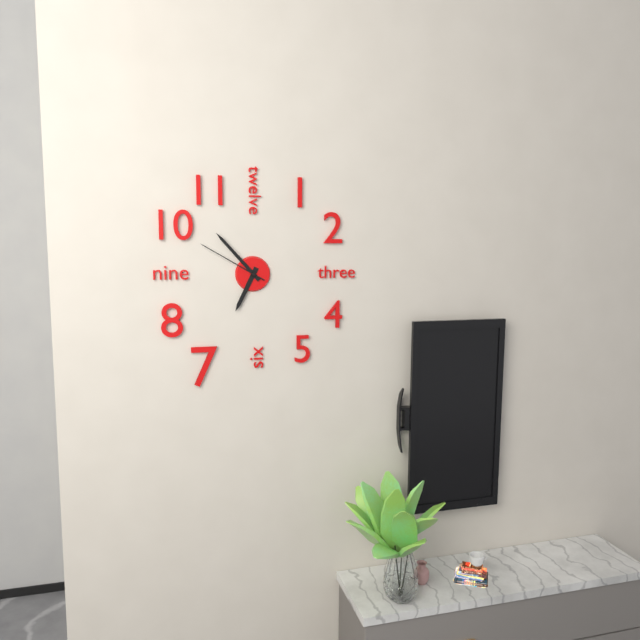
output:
6:53:50
